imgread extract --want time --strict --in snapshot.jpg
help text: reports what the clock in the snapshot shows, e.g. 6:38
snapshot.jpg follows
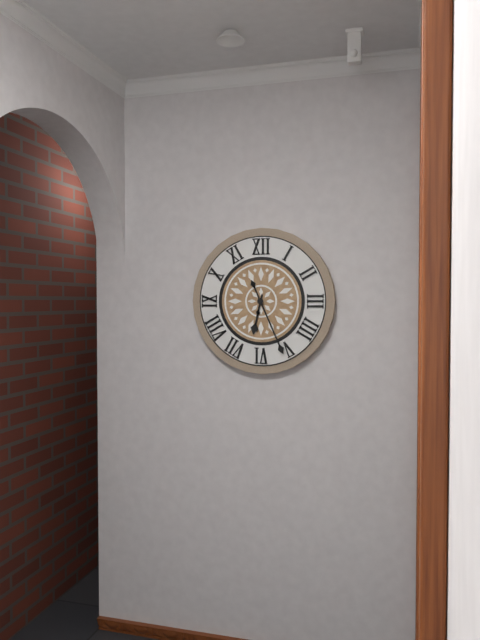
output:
6:26
